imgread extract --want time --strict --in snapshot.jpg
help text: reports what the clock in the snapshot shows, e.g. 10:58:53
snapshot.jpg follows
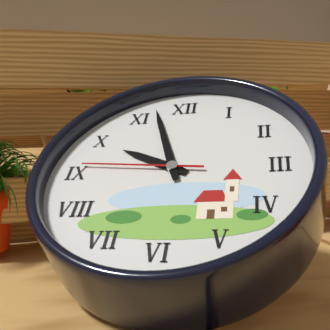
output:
9:57:46
